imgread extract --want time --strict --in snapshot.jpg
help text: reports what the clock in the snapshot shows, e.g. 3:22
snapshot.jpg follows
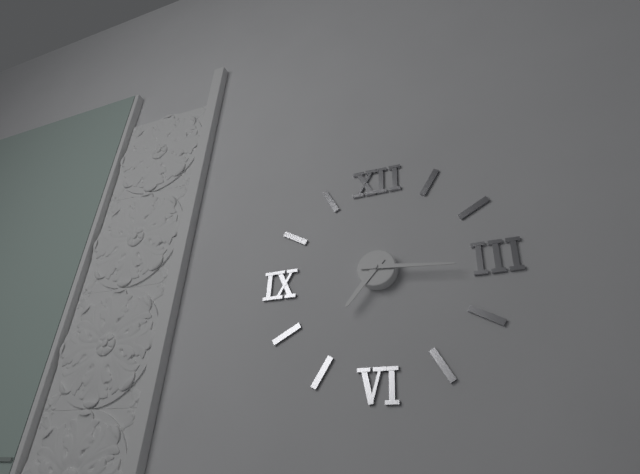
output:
7:16
